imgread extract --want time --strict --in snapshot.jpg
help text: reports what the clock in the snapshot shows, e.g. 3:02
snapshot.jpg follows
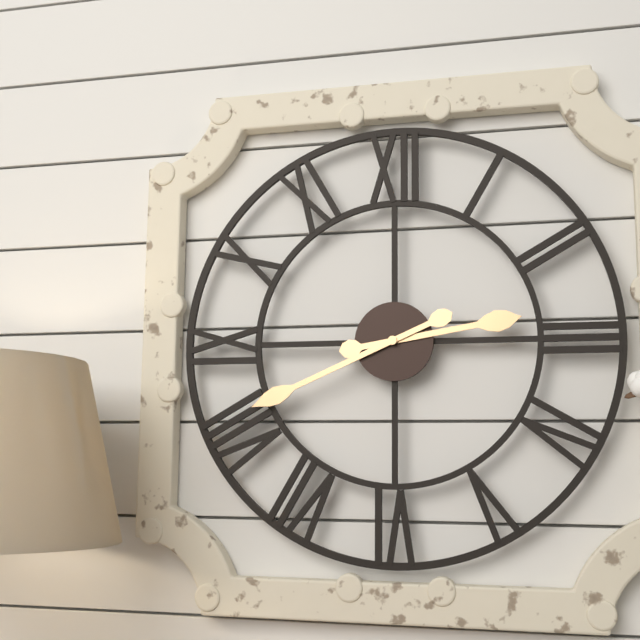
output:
2:41
